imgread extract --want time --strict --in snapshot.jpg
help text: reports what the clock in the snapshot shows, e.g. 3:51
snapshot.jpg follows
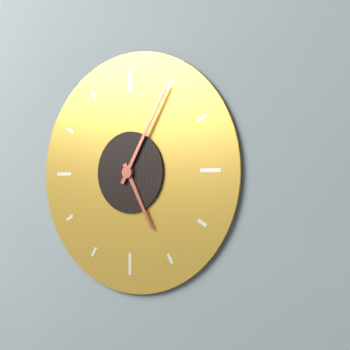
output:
5:05
